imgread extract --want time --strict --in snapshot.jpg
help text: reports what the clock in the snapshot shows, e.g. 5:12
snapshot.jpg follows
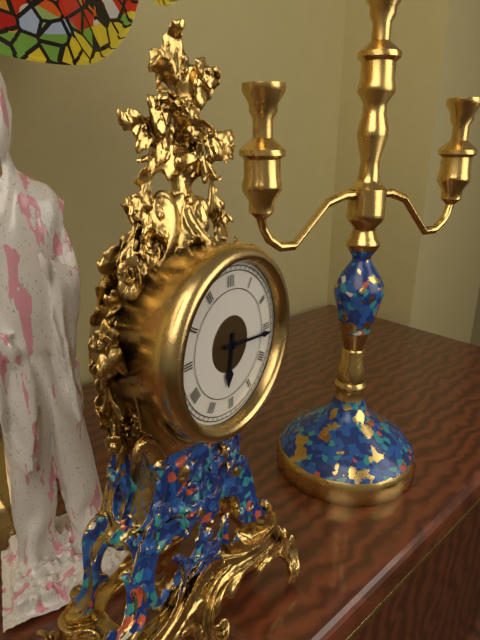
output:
6:16
